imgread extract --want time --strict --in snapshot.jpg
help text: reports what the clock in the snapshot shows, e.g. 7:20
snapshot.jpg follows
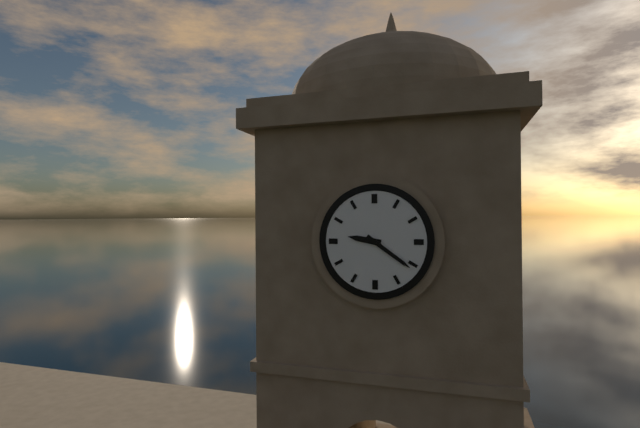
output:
9:21
